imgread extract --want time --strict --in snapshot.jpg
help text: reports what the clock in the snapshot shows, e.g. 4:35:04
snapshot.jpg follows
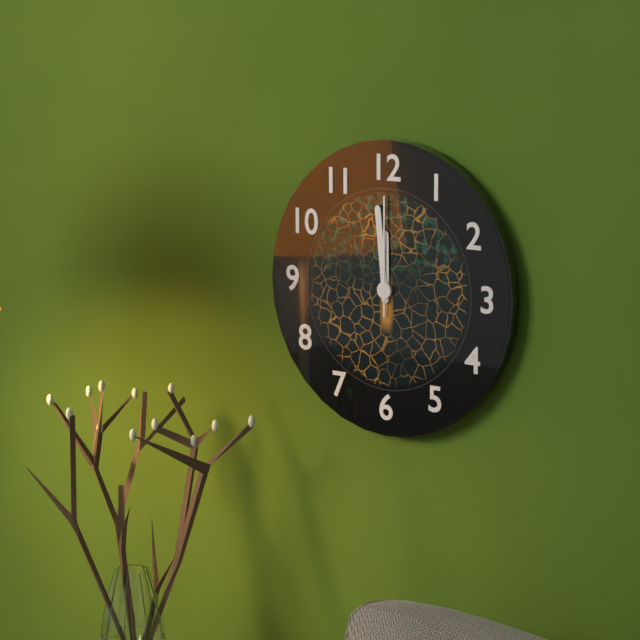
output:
11:59:00
